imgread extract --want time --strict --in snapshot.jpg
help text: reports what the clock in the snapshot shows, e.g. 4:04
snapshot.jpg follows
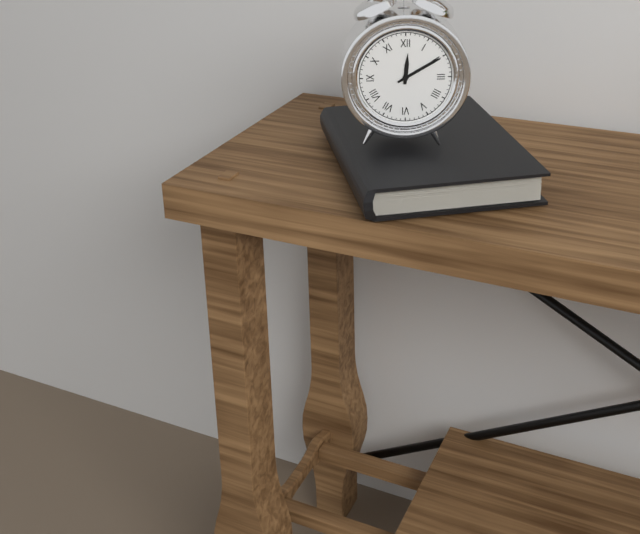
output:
12:10
